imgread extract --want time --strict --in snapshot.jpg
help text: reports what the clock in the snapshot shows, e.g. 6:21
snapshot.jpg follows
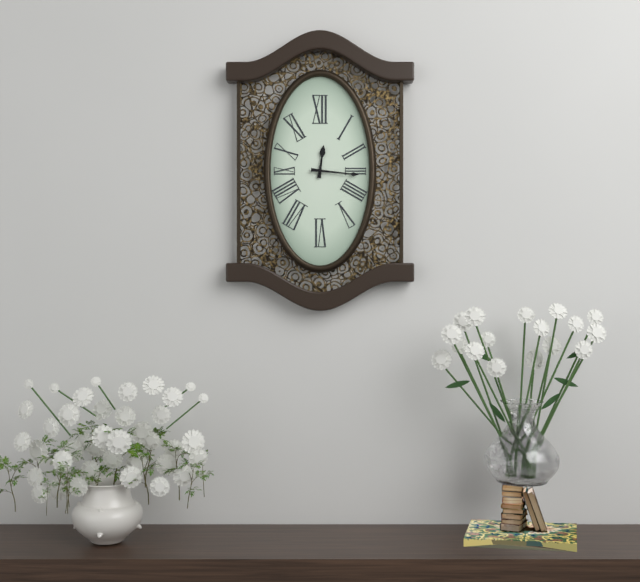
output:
12:16
